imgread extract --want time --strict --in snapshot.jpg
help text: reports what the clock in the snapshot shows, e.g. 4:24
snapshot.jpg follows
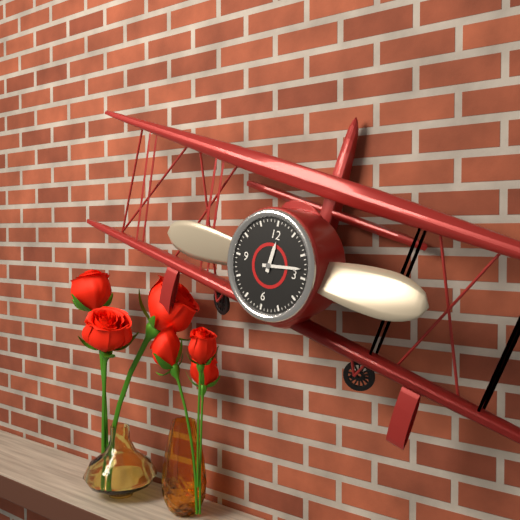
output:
12:13
